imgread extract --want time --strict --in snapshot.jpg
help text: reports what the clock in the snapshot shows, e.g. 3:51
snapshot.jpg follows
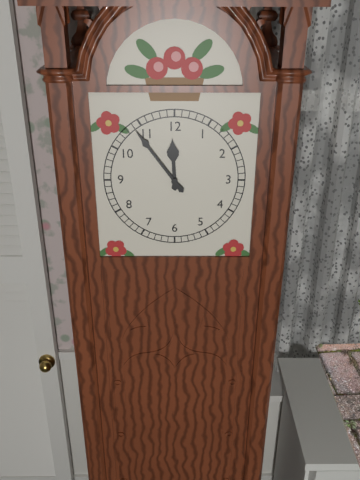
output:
11:54
